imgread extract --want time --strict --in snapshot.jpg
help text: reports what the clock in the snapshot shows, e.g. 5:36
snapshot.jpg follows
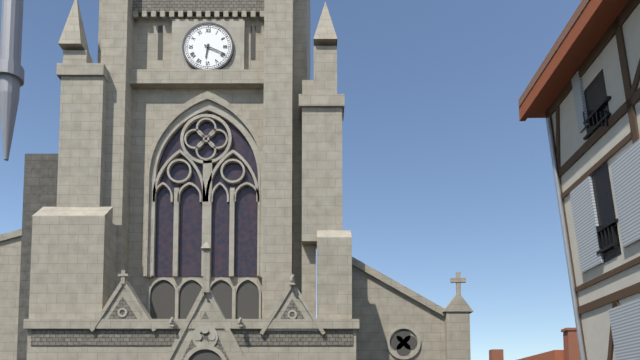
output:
6:19
